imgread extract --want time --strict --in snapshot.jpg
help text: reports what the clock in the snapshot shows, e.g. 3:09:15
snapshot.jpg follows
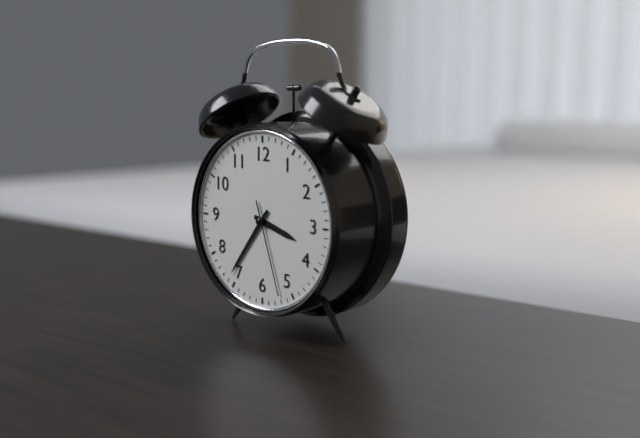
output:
3:36:27
